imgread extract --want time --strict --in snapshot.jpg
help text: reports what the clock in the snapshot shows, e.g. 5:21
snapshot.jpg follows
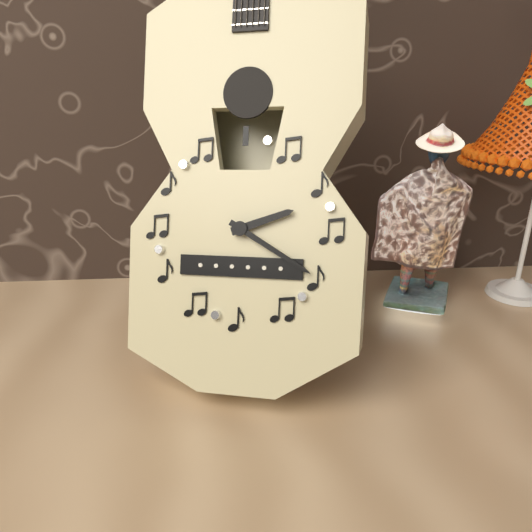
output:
2:20
